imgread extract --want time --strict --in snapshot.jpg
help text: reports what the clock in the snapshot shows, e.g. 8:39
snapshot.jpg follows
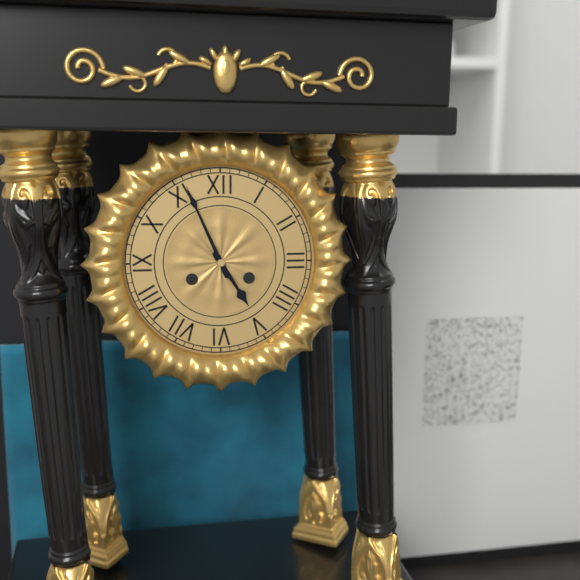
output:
4:56
